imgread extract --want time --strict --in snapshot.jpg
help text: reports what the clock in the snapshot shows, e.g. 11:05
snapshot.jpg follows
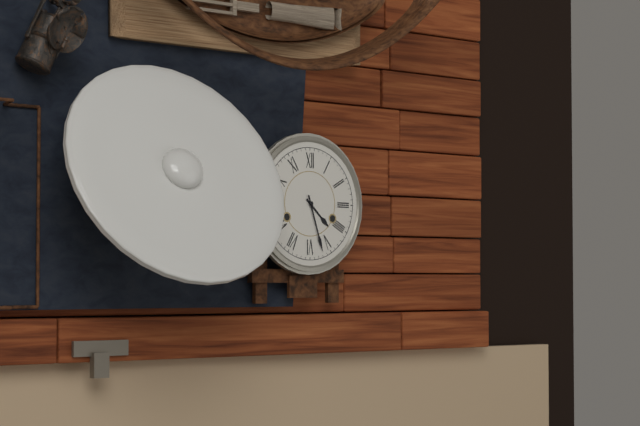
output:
4:27
